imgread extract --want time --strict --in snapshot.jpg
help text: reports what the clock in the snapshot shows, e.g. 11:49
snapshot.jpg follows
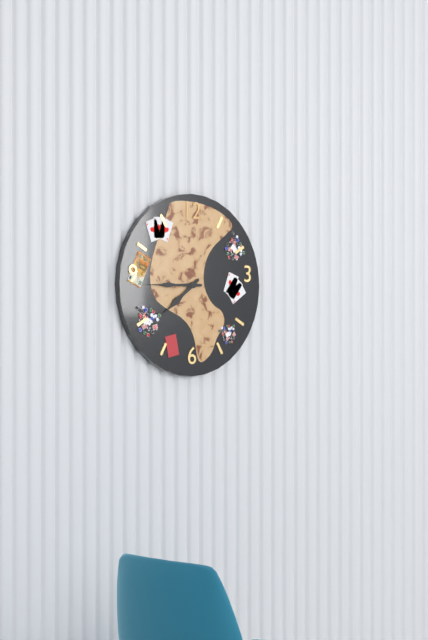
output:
7:45
